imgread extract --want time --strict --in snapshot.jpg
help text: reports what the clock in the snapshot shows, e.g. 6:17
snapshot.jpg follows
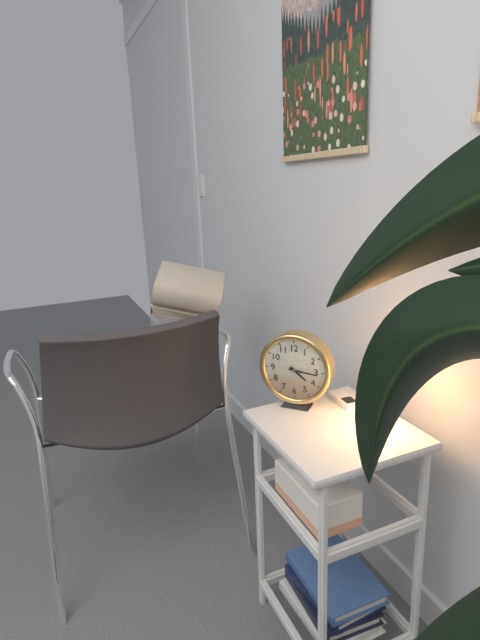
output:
4:16
